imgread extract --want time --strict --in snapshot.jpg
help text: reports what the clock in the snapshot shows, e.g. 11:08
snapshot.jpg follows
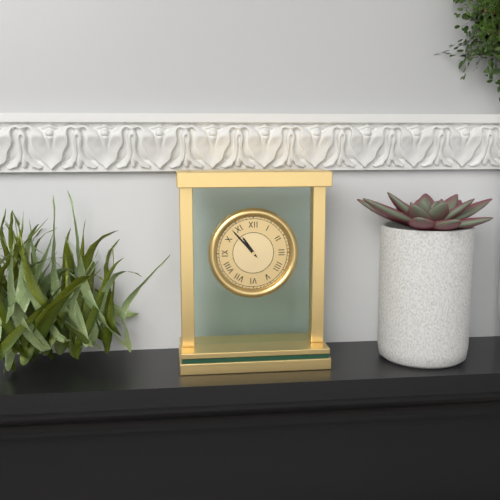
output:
10:53
